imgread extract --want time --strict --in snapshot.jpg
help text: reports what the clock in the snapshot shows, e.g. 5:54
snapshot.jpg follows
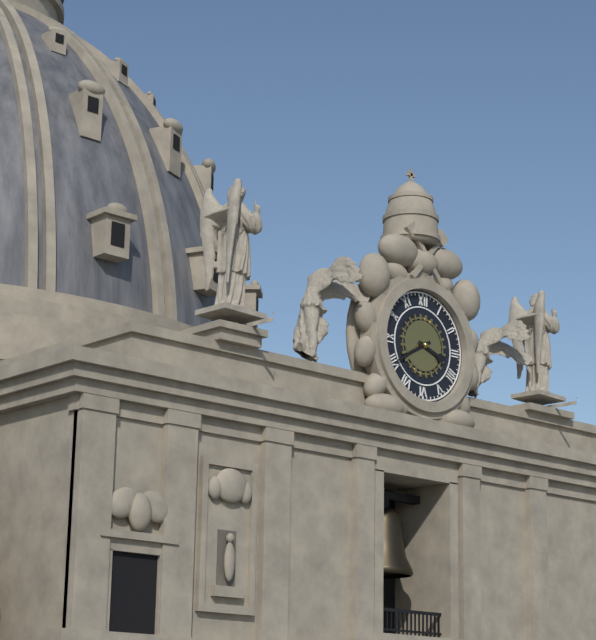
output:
3:40
